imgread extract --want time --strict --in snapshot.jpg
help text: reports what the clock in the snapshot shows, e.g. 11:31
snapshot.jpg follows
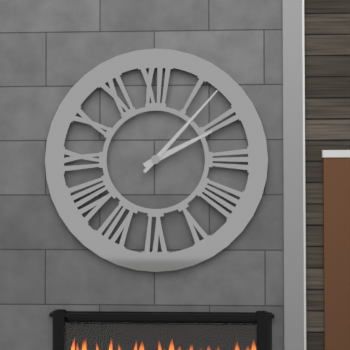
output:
2:07
